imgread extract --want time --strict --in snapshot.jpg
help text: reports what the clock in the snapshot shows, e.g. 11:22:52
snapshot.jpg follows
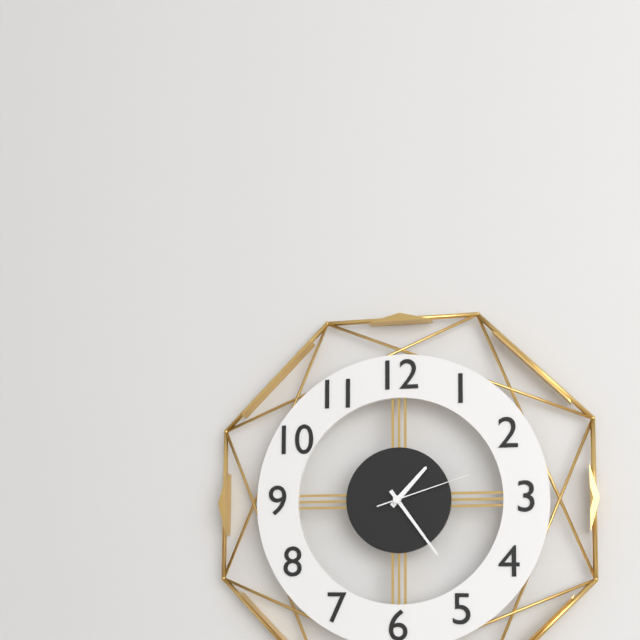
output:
1:24:12
